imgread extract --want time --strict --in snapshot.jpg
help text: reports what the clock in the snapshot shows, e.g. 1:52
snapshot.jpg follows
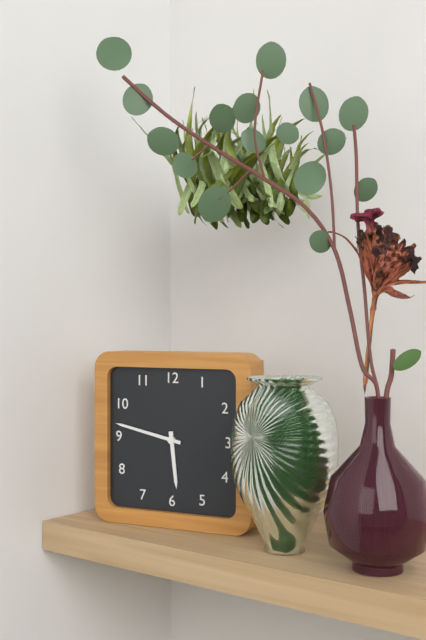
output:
5:47
